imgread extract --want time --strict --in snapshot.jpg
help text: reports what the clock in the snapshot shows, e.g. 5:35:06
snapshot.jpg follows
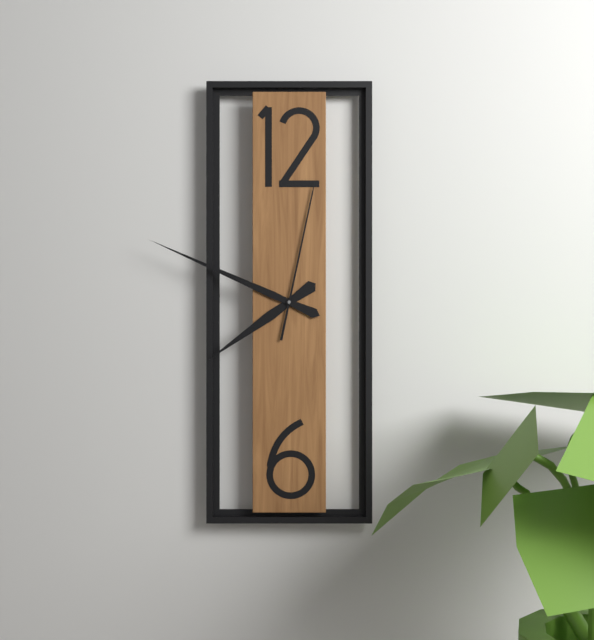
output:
7:49:02
